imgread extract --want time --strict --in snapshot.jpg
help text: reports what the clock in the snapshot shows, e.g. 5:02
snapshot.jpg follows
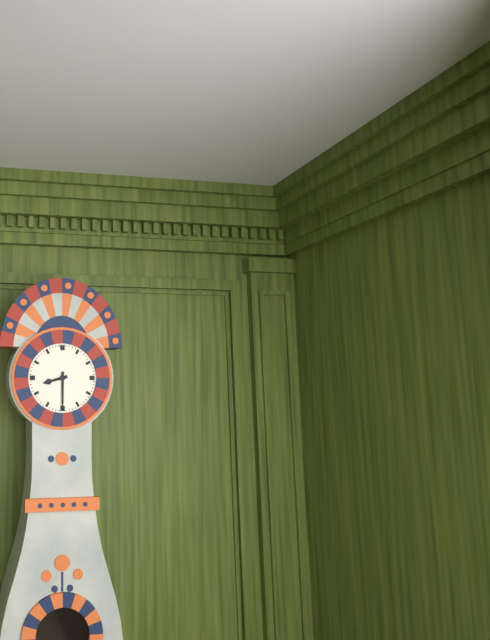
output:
8:30
